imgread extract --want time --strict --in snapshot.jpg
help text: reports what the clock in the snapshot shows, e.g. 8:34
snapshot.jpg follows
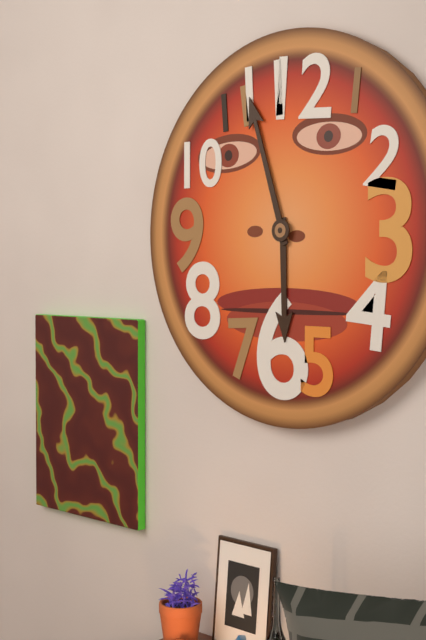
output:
5:57
